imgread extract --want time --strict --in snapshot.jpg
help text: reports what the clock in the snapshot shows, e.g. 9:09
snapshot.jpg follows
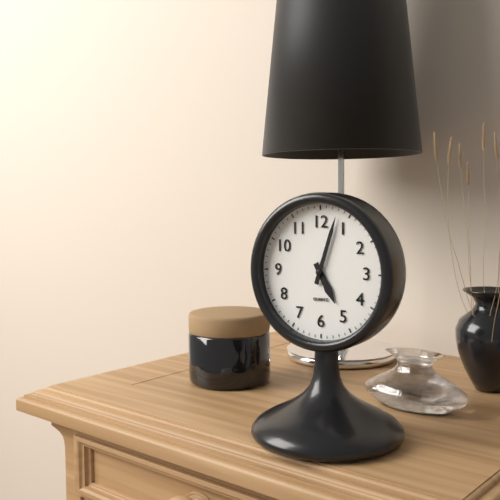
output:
5:03
